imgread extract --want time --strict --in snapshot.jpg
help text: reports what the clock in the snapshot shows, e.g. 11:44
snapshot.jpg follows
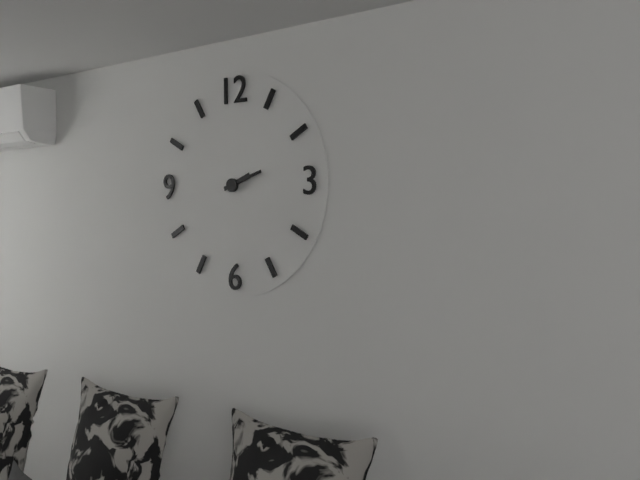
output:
2:12
